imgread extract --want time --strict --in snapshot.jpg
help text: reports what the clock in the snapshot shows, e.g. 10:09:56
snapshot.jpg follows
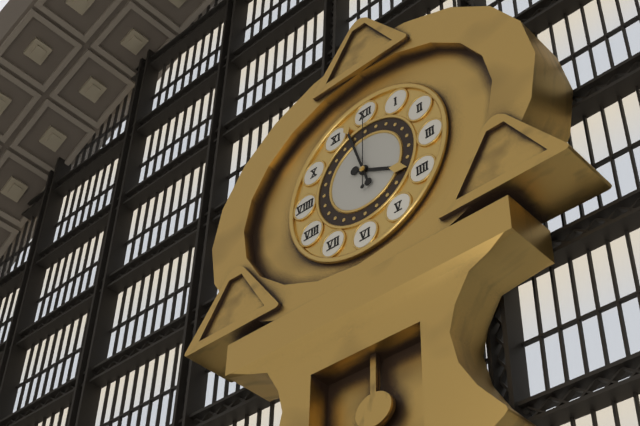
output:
3:57:00
